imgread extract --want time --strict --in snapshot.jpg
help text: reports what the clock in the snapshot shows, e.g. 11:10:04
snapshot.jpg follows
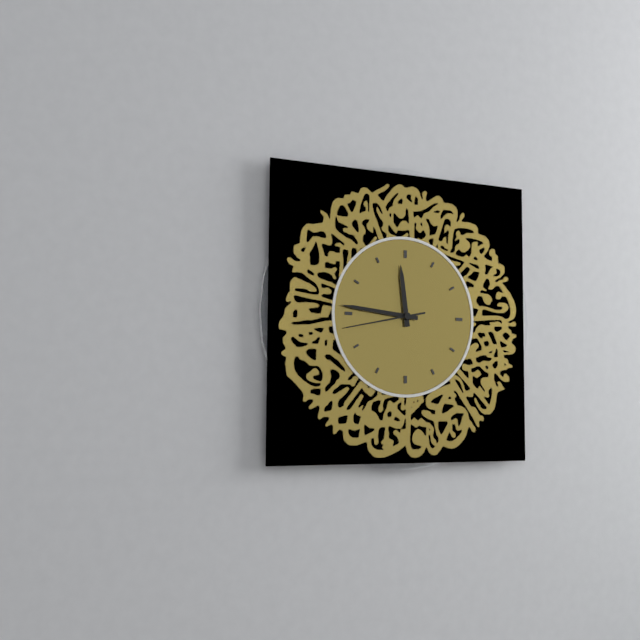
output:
11:46:43
